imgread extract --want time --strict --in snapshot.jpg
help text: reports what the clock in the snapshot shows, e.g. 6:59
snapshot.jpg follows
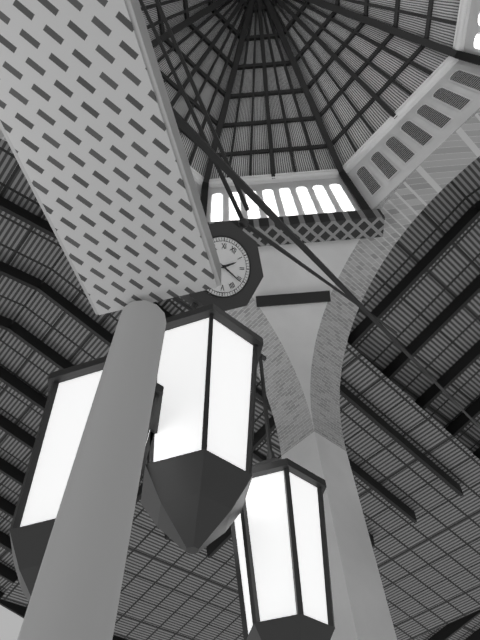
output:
1:16
